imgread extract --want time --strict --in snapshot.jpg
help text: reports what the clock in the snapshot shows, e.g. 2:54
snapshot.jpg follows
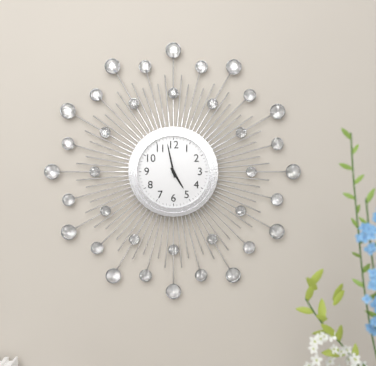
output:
4:58
